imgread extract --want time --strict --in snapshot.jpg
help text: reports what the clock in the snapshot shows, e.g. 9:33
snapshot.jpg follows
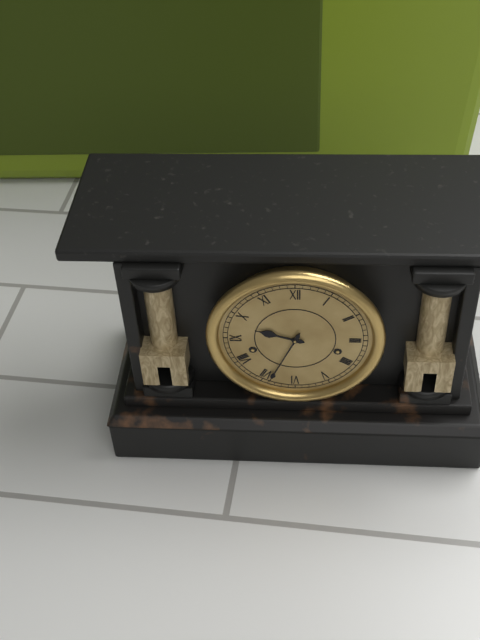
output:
9:34
